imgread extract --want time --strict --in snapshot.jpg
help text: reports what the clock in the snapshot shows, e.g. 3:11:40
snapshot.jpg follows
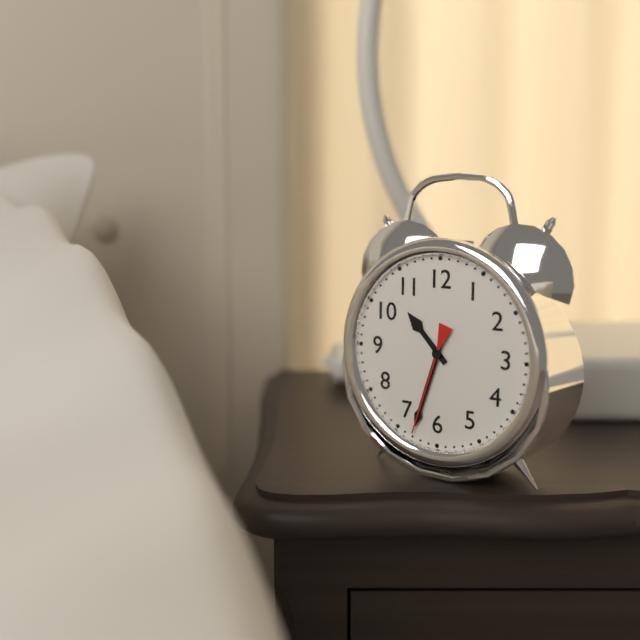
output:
10:33:33
